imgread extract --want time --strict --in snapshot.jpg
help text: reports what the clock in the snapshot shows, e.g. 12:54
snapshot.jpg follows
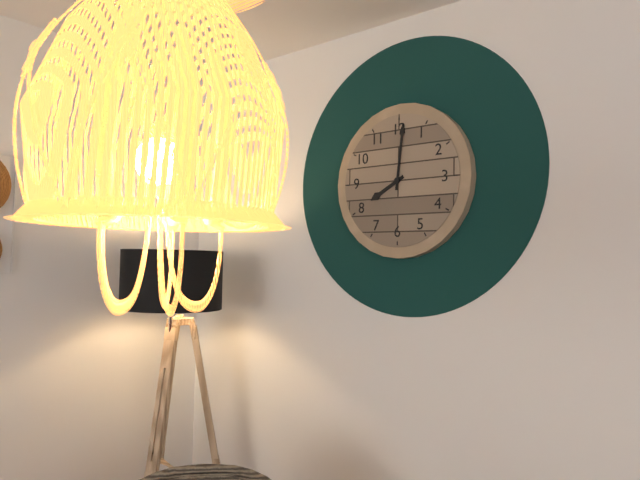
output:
8:01
